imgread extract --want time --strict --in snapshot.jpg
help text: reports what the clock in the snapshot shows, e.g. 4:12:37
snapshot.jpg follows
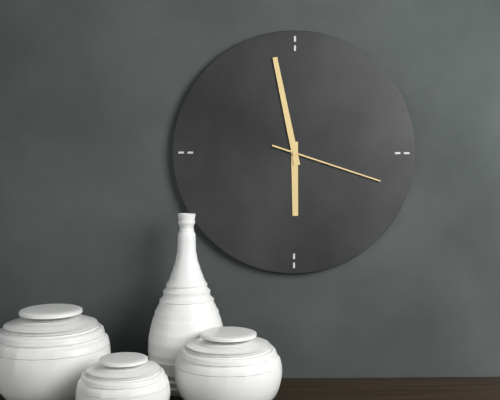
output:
5:58:18
